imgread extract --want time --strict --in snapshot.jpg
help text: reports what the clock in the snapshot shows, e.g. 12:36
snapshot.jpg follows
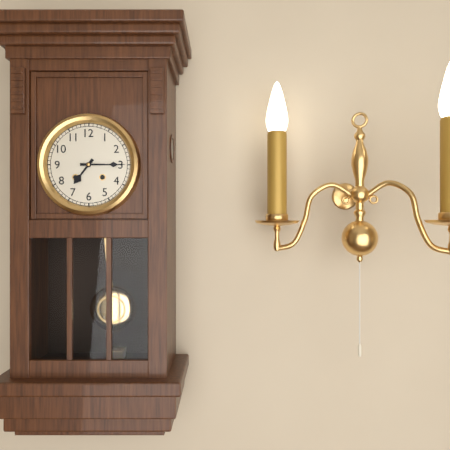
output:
7:15
